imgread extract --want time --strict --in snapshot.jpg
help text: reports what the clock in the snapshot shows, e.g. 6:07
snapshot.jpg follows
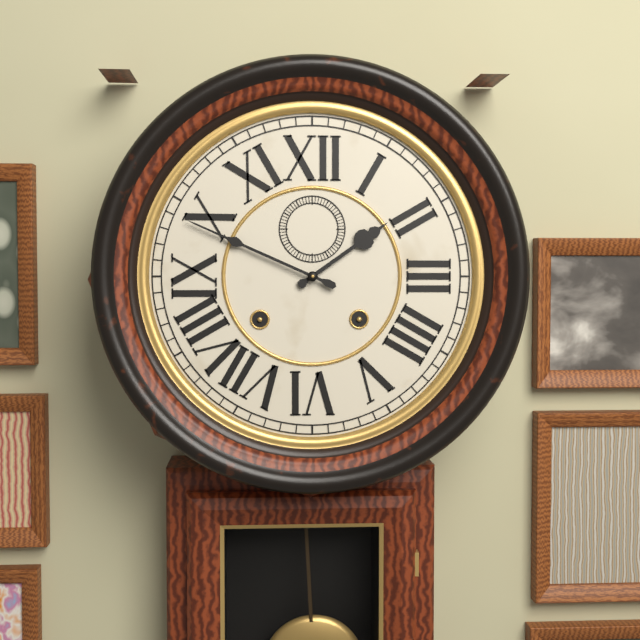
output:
1:49
